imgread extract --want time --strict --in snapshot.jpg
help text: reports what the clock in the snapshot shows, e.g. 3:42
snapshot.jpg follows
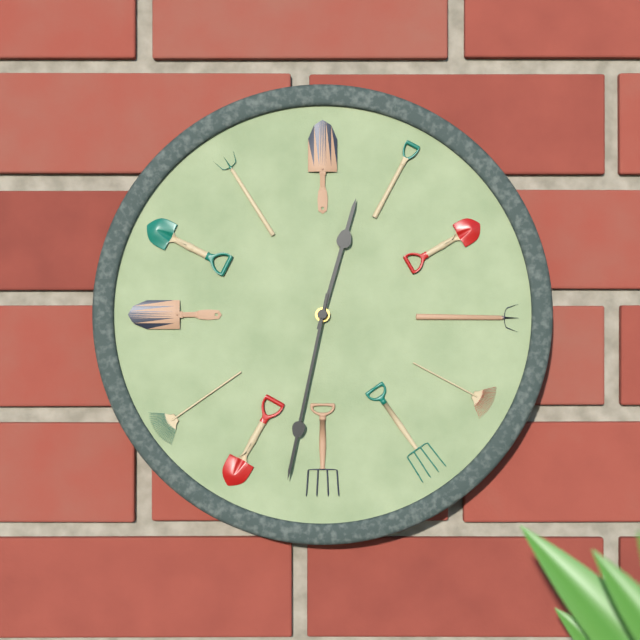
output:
12:32
